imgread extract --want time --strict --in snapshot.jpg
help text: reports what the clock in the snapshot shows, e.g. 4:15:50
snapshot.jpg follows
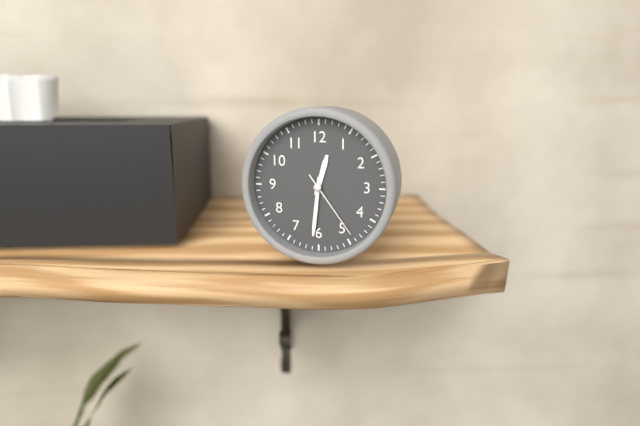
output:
12:31:24
